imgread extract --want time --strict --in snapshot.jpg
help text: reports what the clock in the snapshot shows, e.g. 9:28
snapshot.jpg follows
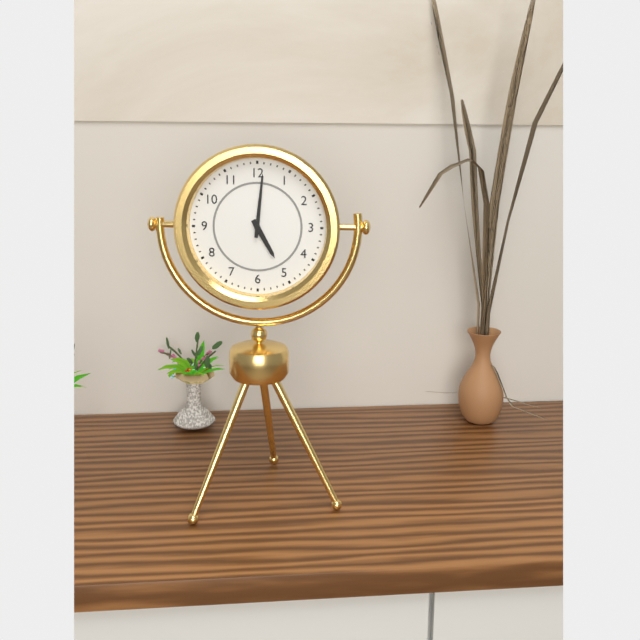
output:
5:01
